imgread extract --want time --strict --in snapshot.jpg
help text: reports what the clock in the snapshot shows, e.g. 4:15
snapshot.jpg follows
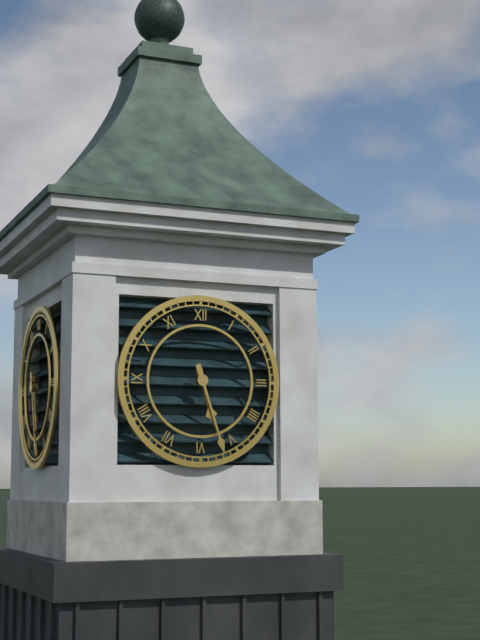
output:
5:27
